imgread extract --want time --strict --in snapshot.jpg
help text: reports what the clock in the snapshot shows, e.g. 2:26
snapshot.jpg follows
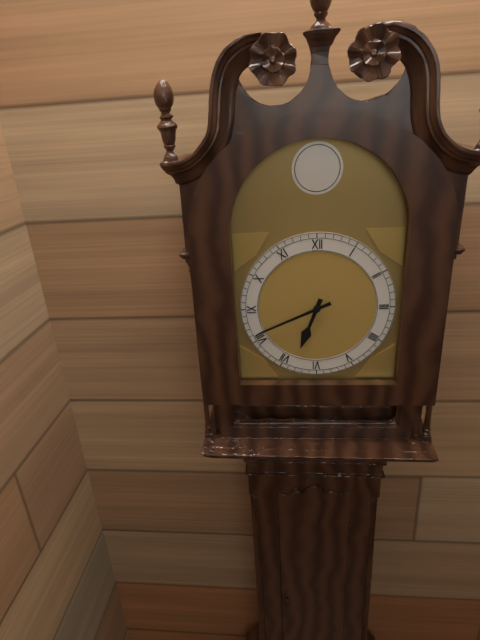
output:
6:41
